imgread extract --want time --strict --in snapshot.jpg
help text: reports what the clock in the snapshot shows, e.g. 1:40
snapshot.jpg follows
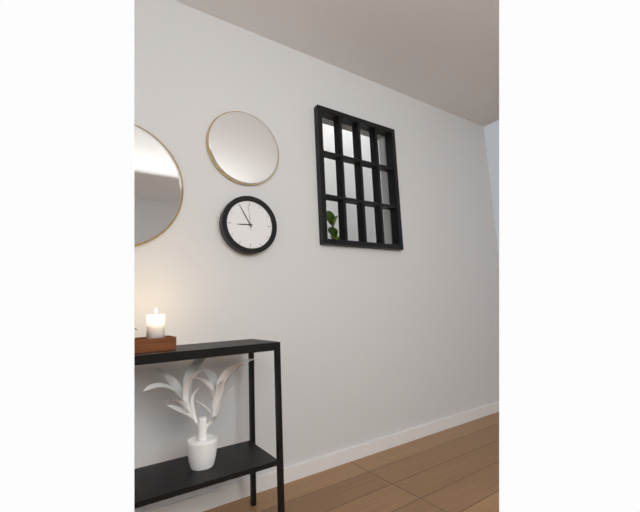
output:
8:55
